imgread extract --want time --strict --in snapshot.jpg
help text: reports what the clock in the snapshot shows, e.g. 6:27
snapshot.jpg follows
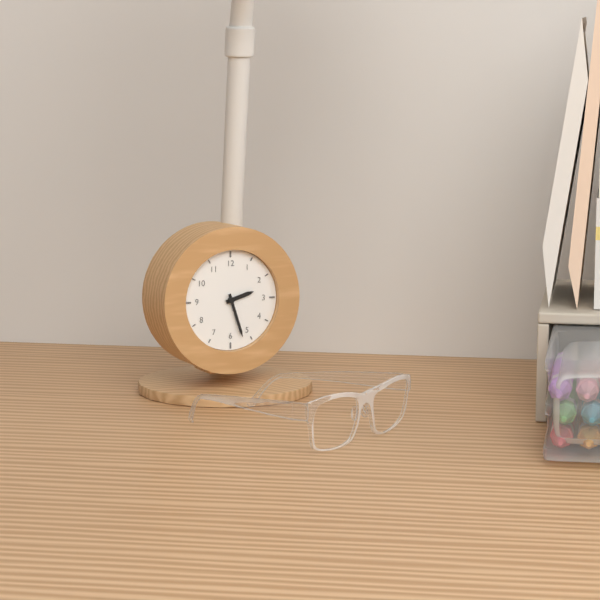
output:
2:27
